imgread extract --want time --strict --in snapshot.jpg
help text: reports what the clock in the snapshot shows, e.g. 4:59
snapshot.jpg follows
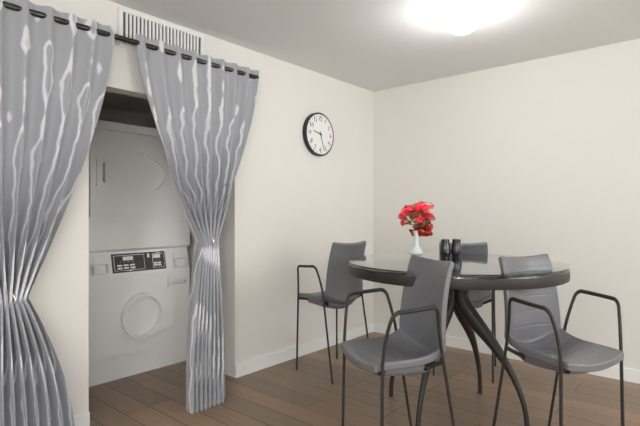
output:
9:27
